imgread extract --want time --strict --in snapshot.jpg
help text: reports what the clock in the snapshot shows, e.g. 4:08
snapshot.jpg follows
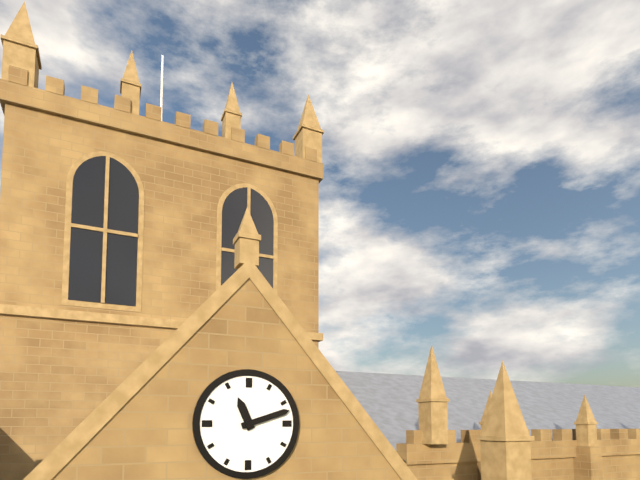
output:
11:12
